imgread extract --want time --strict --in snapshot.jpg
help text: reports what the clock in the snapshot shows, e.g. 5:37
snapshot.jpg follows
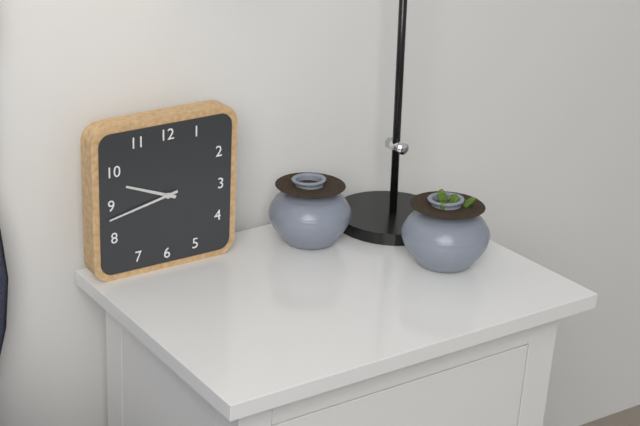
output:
9:43
